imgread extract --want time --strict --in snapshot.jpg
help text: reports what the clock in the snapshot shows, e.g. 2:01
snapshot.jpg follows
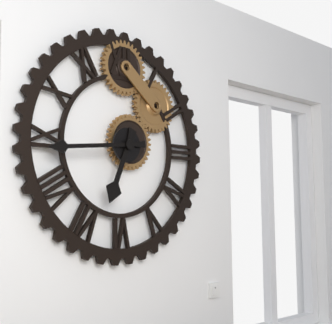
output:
6:44
